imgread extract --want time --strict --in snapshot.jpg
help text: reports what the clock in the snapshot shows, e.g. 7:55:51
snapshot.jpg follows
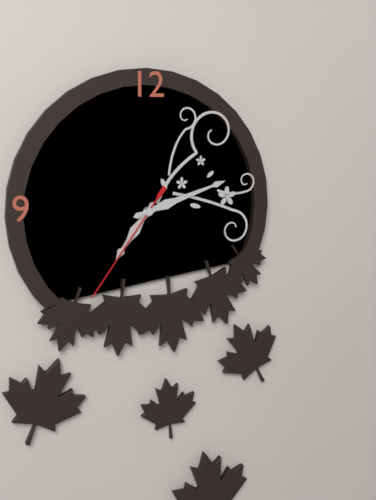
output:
7:12:36
